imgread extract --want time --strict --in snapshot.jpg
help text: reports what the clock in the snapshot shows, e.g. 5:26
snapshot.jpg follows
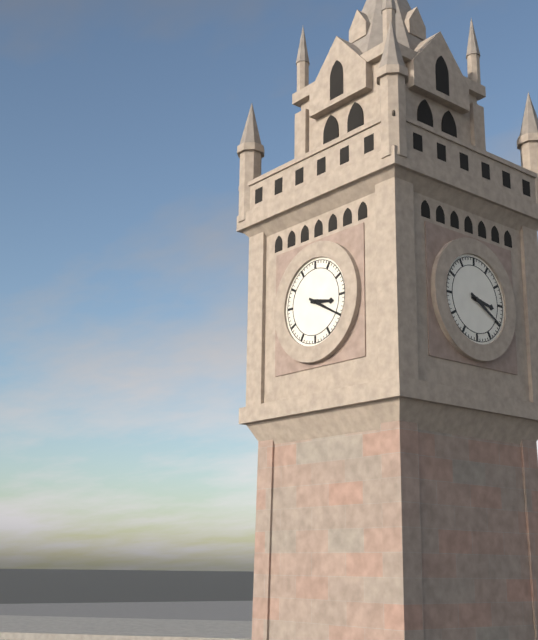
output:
3:20
